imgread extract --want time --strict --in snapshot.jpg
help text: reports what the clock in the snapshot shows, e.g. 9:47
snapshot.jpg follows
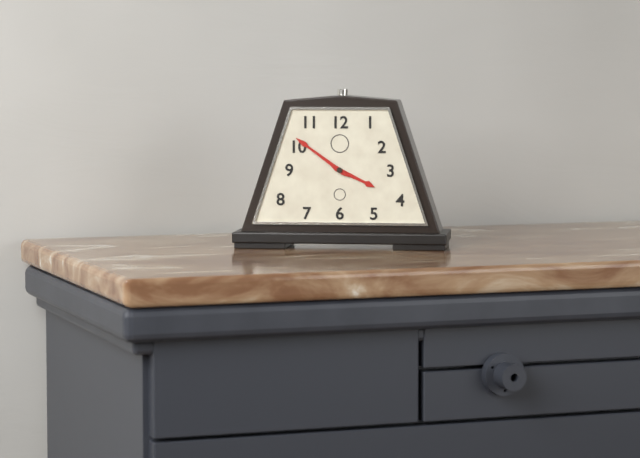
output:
3:51
